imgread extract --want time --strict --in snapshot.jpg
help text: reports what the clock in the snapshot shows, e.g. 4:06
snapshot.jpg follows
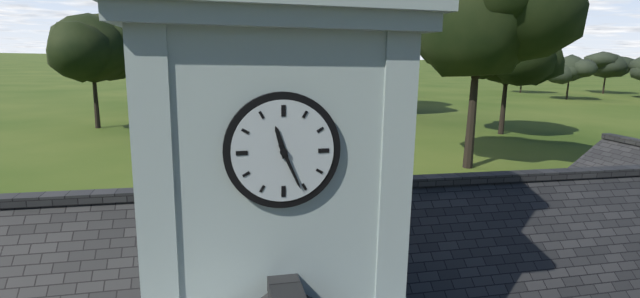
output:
11:26
